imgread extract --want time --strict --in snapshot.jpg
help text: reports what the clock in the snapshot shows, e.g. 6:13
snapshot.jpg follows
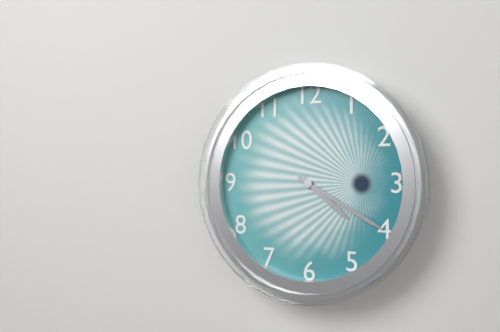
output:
4:20
